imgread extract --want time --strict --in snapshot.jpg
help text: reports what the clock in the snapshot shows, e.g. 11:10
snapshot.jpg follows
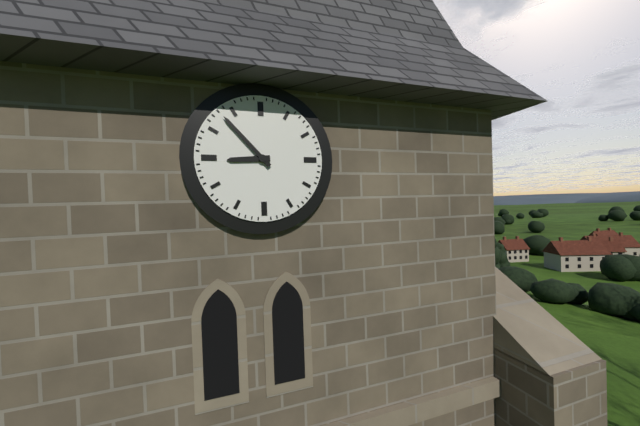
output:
8:53
